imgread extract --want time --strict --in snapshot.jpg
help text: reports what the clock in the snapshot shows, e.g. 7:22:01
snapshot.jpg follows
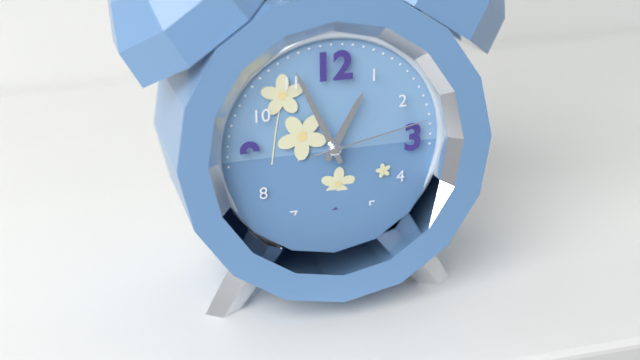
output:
12:56:13
